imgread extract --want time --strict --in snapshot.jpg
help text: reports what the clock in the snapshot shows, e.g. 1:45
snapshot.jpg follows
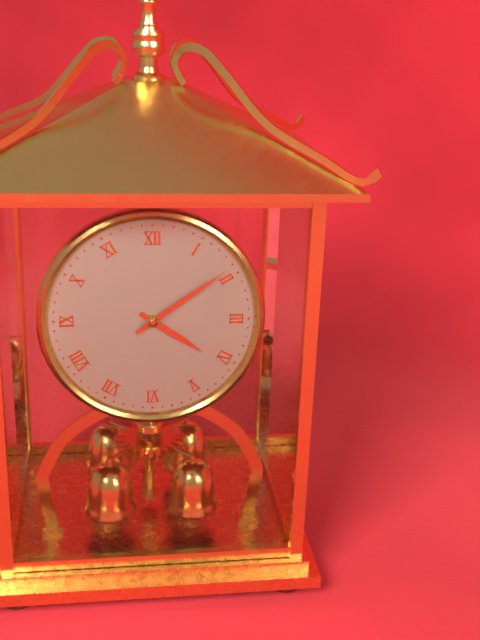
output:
4:09
